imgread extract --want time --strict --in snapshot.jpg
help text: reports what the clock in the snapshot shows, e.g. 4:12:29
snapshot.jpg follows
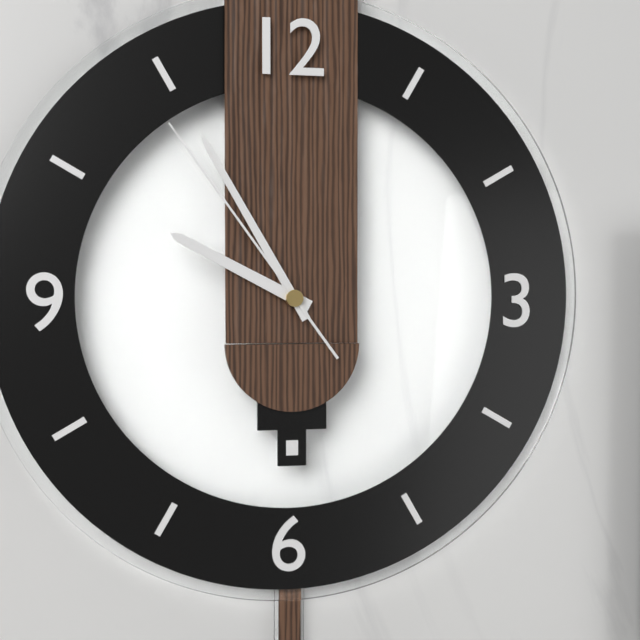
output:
9:55:54
